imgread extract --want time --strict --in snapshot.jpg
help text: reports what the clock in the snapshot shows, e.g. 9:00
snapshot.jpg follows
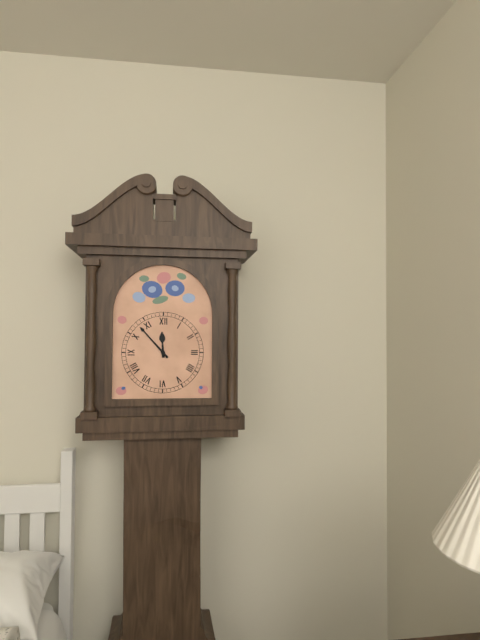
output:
11:53
